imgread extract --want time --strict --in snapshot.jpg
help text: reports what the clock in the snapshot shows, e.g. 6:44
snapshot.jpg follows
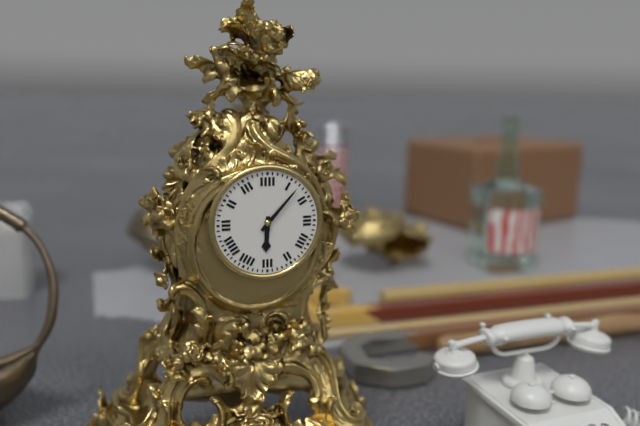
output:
6:07
